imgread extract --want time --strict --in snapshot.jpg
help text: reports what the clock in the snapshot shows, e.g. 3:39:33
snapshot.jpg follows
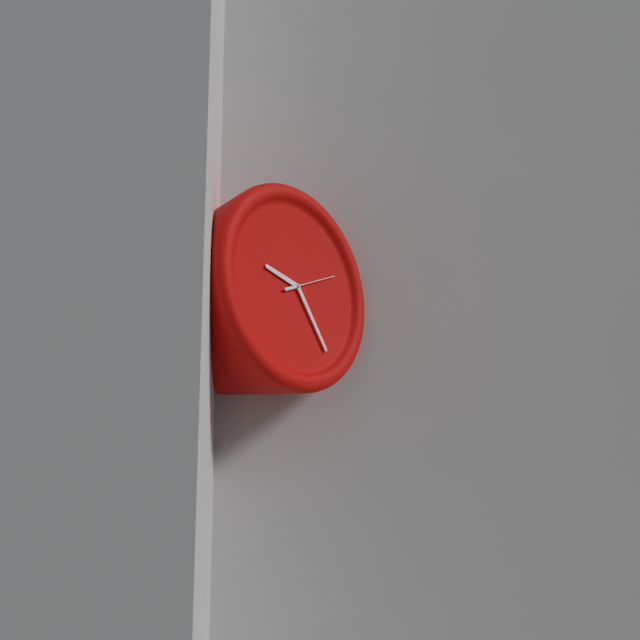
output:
9:24:11
